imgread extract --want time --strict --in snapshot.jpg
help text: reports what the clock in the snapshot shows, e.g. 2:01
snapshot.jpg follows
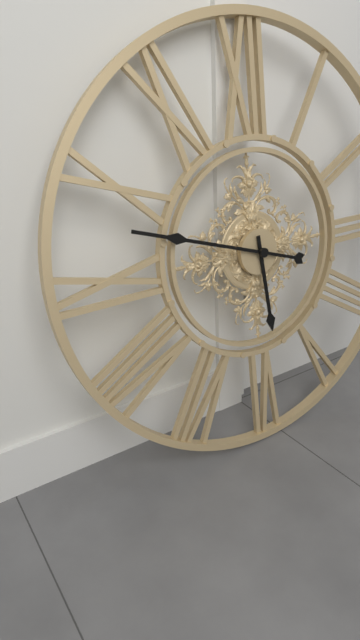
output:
5:48
